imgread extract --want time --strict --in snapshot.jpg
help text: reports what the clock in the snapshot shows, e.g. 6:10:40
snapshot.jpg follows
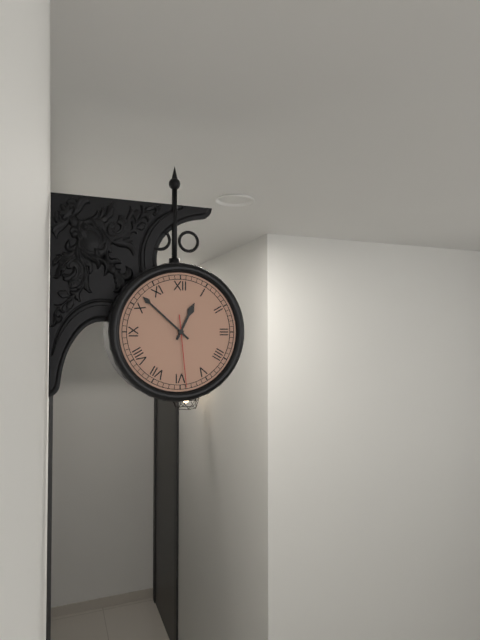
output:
12:52:29
